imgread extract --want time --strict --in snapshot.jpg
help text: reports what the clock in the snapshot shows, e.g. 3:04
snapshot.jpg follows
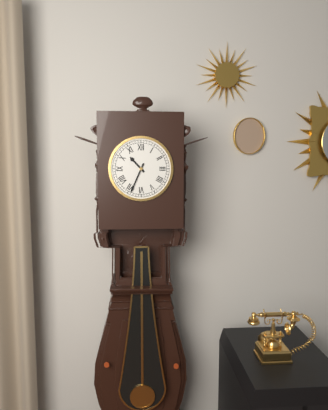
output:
10:34
